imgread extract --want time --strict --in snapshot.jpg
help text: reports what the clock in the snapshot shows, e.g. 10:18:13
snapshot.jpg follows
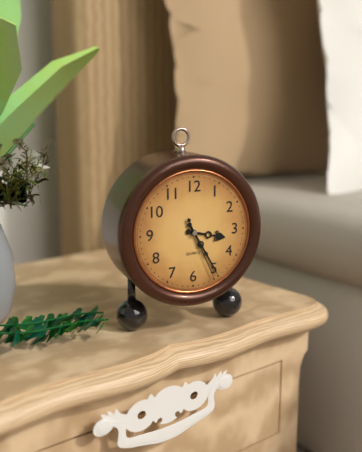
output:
3:25:26
